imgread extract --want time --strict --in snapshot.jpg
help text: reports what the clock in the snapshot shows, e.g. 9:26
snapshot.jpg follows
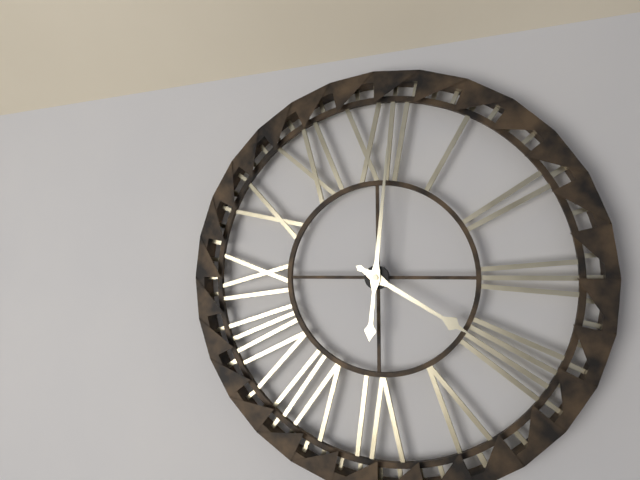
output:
4:01
